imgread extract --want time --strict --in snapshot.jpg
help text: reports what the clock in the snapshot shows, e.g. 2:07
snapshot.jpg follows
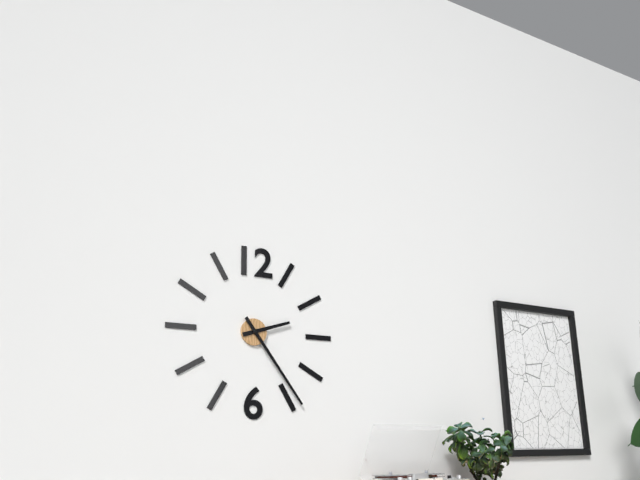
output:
2:24
